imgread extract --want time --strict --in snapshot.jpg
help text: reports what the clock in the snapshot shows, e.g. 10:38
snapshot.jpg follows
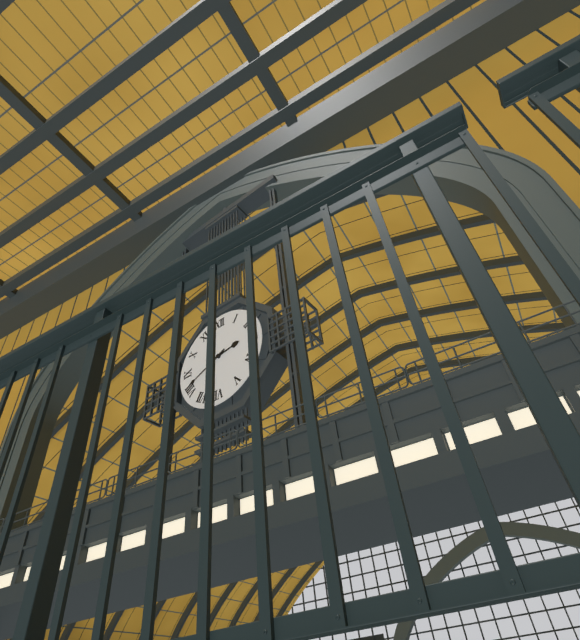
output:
2:41
